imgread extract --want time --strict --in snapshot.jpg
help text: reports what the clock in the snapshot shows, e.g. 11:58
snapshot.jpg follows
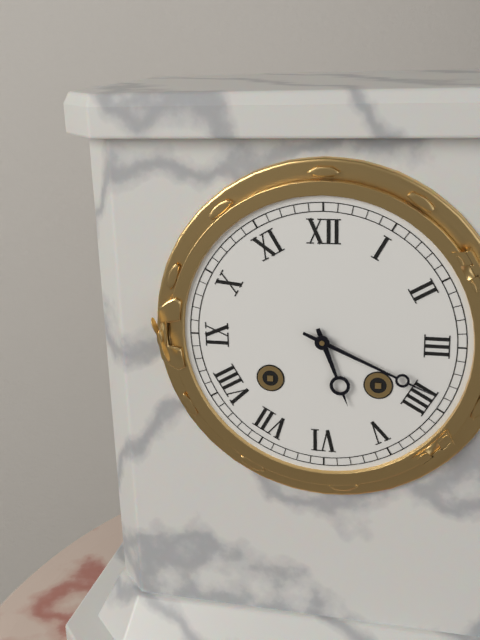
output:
5:19
